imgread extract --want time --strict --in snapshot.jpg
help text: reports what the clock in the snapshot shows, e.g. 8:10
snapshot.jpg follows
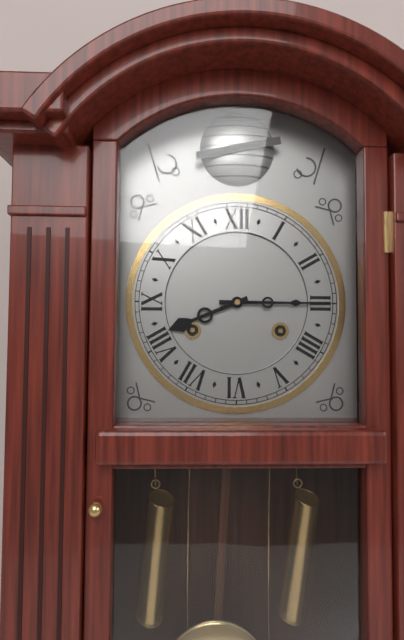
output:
8:15
